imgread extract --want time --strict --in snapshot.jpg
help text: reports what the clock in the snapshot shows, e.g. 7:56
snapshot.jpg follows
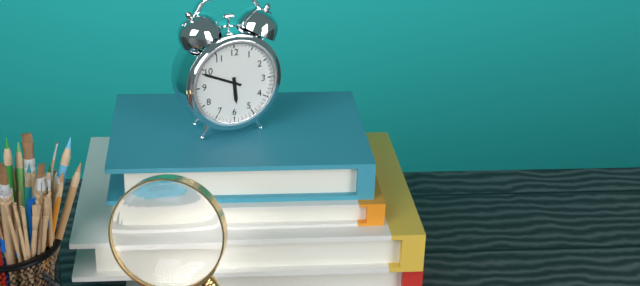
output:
5:49
